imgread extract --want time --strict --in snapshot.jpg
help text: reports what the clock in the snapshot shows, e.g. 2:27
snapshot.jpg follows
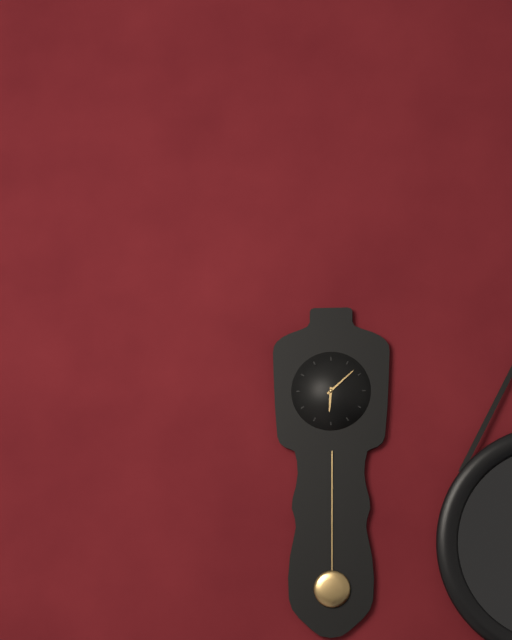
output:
6:08
